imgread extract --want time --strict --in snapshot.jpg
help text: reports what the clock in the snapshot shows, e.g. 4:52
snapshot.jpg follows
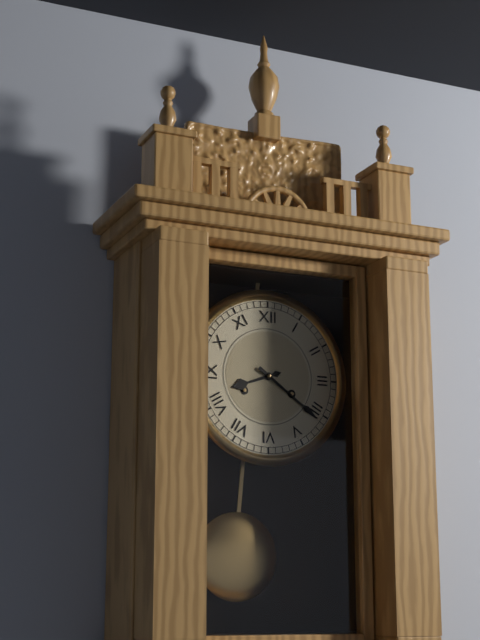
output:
8:21
